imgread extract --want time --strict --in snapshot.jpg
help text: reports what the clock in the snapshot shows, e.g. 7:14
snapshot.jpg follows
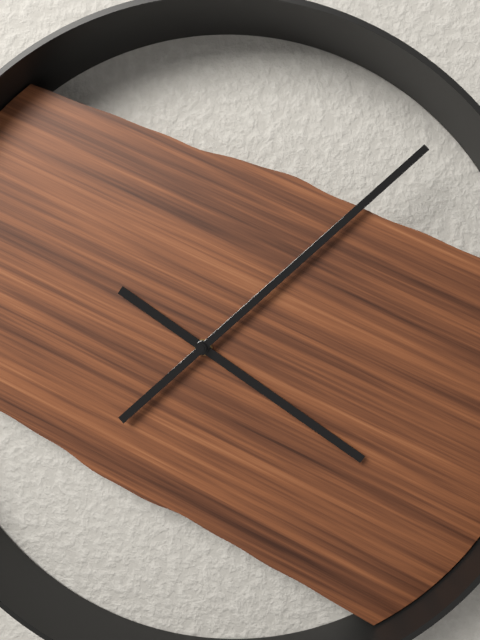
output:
4:08
